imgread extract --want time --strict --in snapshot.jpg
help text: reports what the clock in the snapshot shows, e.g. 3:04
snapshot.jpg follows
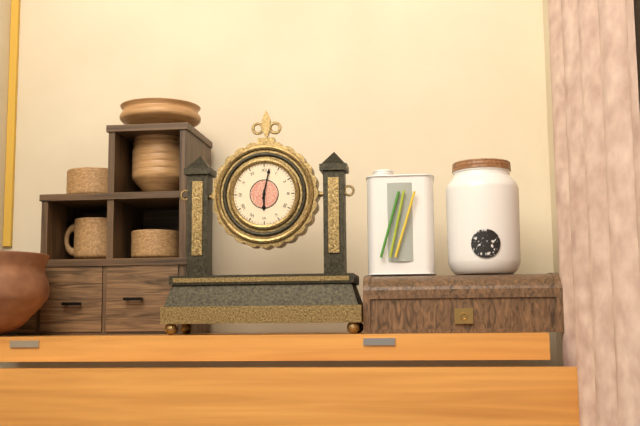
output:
6:02
